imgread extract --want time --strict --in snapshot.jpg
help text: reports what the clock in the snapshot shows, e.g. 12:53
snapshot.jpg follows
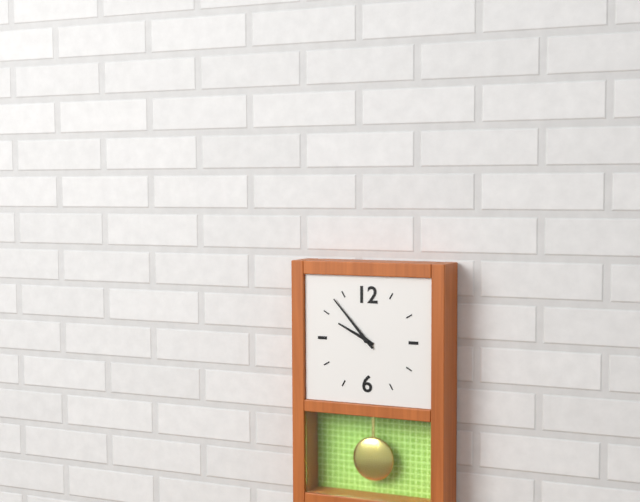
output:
9:53
